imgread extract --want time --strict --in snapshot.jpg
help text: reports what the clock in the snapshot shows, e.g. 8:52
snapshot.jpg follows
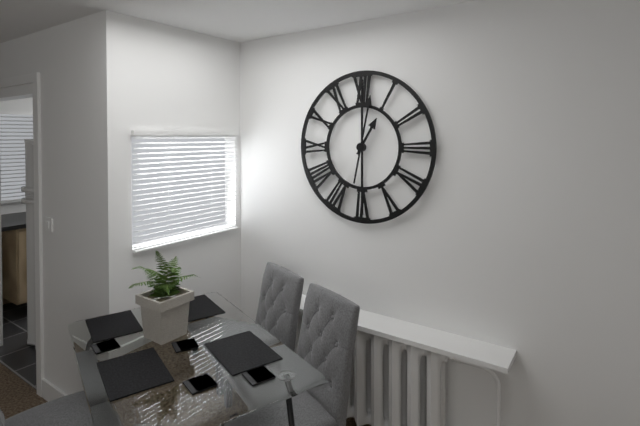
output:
1:02
